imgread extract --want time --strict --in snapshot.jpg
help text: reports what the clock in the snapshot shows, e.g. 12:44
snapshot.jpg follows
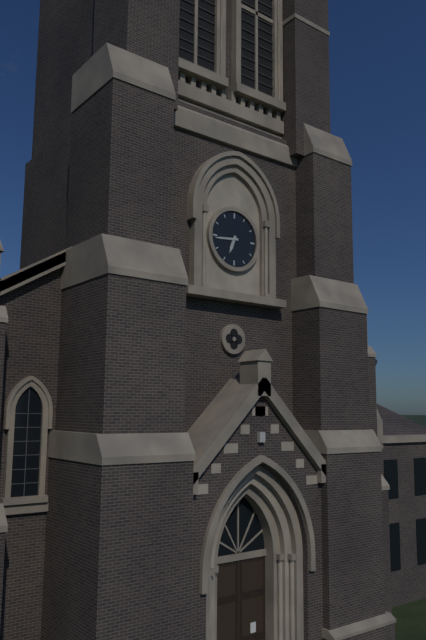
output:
6:44
